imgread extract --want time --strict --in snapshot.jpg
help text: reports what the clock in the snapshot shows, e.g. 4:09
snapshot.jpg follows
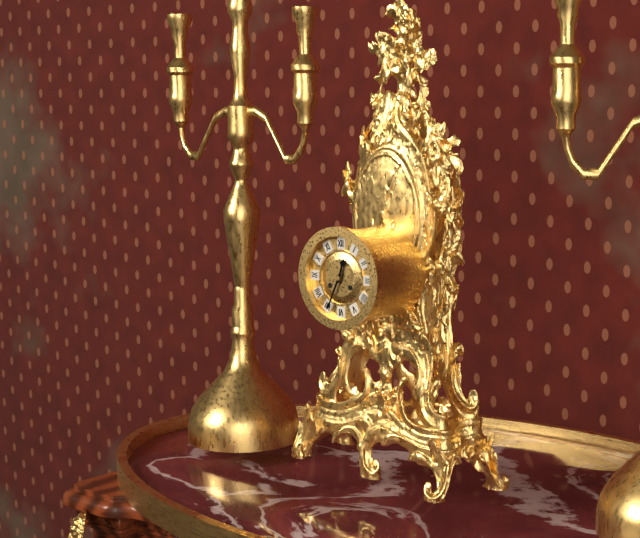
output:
12:34
